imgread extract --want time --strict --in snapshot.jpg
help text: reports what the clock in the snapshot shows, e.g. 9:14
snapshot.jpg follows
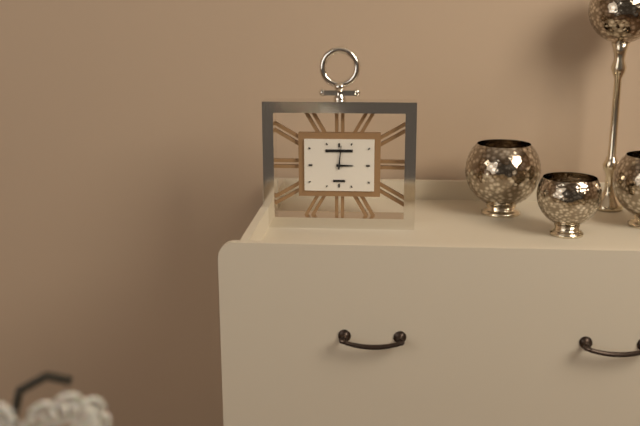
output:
3:01
